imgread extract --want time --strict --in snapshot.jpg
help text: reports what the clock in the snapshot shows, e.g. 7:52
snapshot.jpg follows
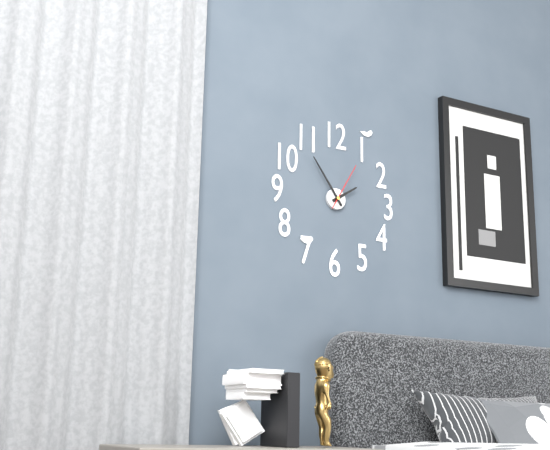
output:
1:54
